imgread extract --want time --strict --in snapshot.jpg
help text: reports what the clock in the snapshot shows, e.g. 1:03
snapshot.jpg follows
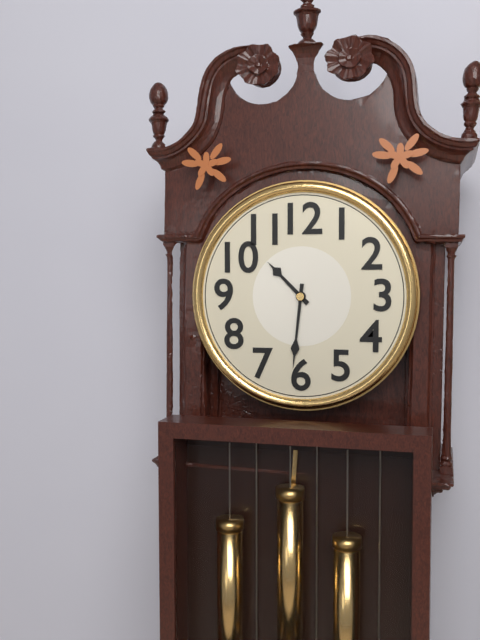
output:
10:31
